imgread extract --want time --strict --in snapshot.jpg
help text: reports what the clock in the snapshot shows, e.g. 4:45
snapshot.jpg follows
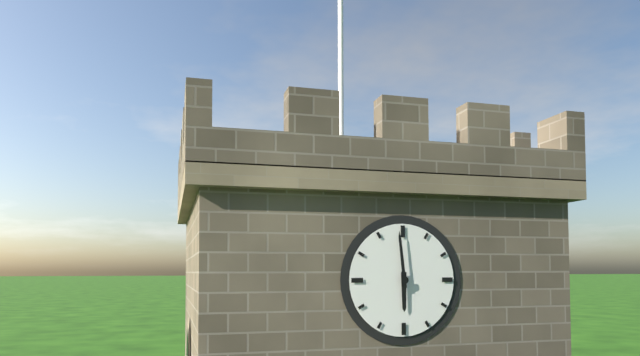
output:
5:59
